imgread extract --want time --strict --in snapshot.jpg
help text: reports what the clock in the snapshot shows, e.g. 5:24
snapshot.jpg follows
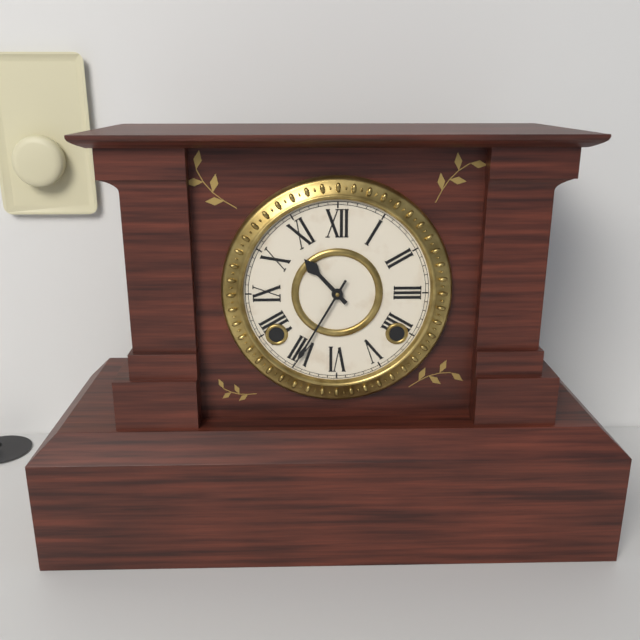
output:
10:35
